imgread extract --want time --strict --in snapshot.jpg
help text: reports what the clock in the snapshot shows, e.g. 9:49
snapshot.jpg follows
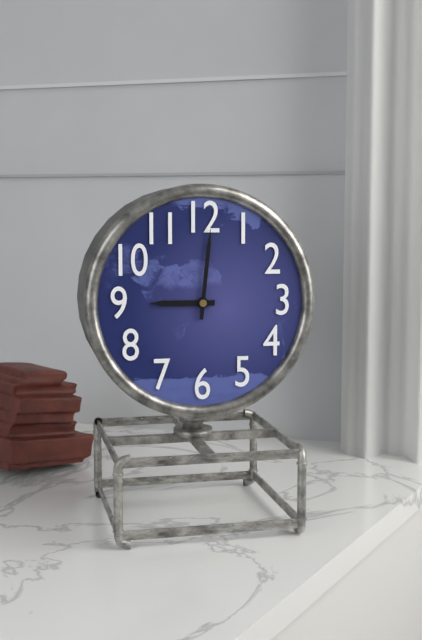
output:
9:01
